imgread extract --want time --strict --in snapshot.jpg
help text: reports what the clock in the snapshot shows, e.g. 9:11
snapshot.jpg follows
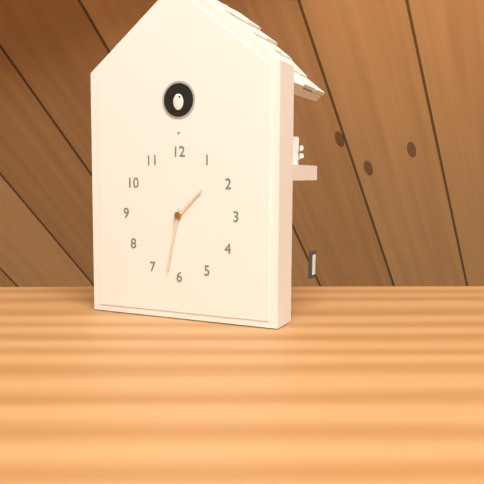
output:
1:32
